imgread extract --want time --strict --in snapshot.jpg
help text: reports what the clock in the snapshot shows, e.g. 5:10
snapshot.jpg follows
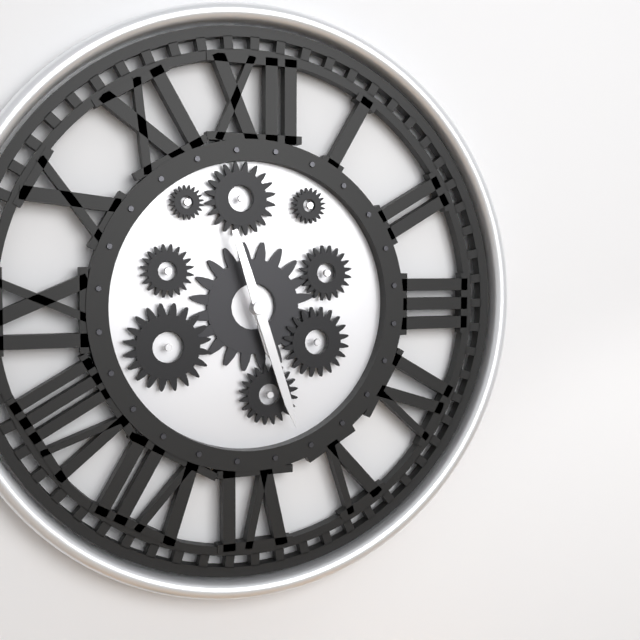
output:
5:27
